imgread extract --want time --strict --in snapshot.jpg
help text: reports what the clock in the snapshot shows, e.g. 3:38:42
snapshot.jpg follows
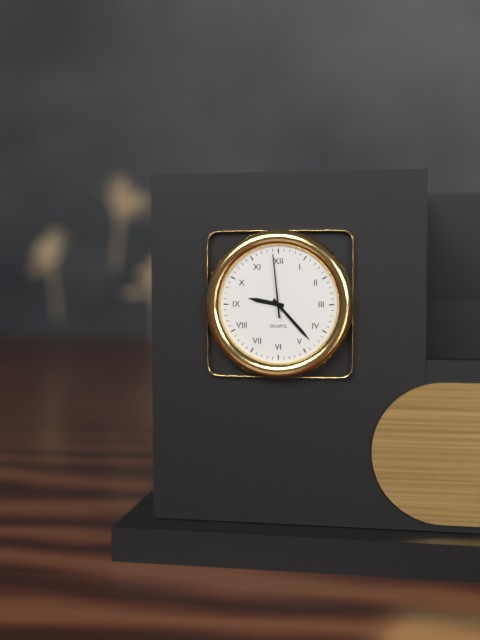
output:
9:23:59
